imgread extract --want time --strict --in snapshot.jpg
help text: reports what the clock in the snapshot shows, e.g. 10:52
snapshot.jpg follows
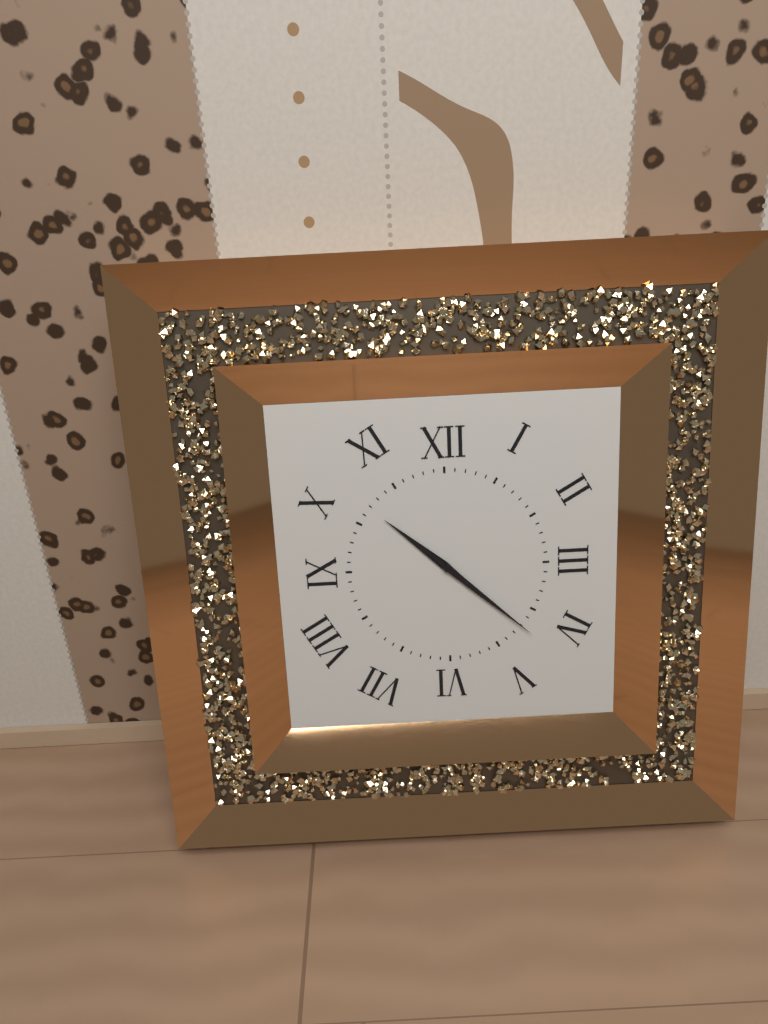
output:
10:22
